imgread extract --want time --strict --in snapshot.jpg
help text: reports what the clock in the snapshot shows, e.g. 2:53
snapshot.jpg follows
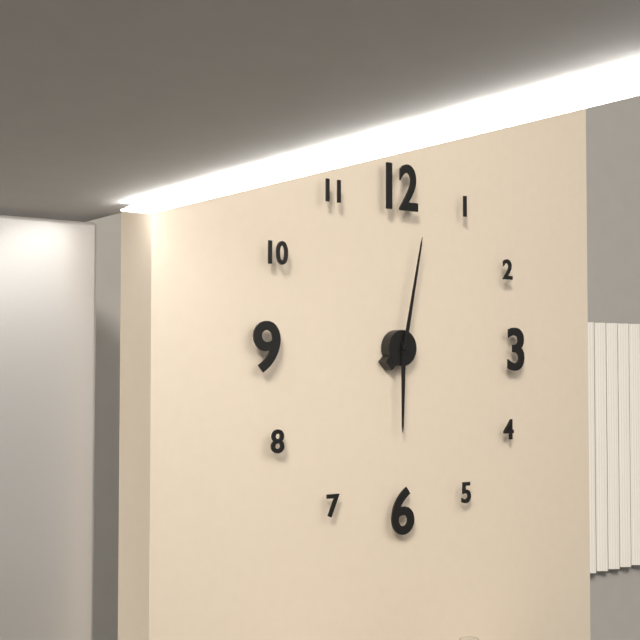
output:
6:02
